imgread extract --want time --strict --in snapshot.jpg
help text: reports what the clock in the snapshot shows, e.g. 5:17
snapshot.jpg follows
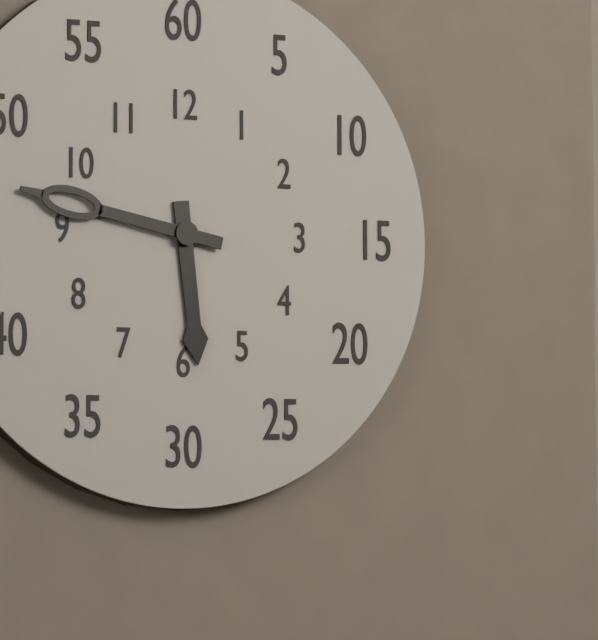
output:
5:47
